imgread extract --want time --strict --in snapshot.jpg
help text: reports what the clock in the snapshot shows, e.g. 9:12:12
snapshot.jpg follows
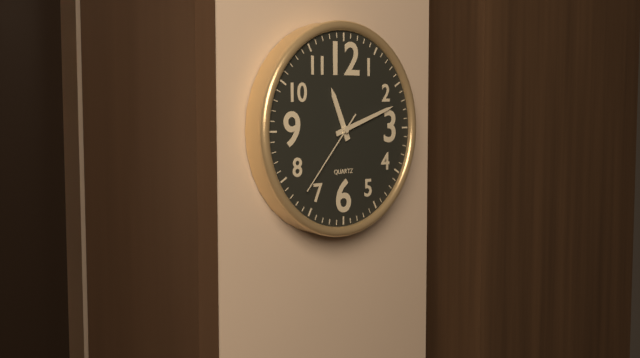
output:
11:12:37
